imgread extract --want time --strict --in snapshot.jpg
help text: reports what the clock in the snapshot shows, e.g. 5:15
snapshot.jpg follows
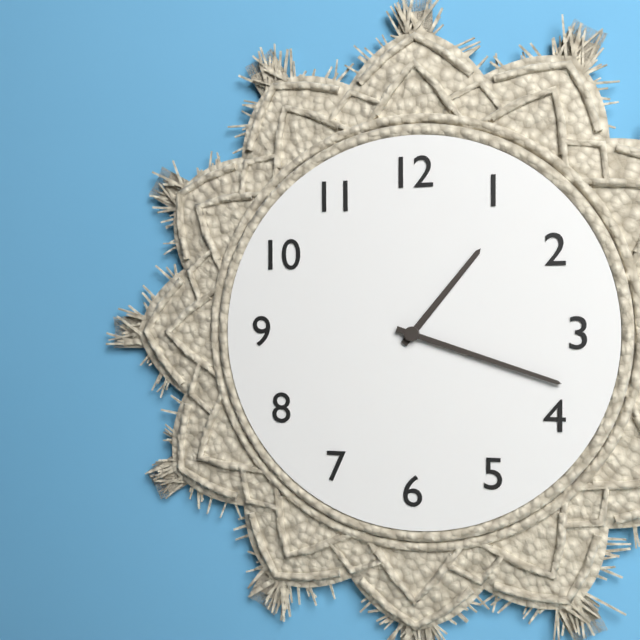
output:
1:18
